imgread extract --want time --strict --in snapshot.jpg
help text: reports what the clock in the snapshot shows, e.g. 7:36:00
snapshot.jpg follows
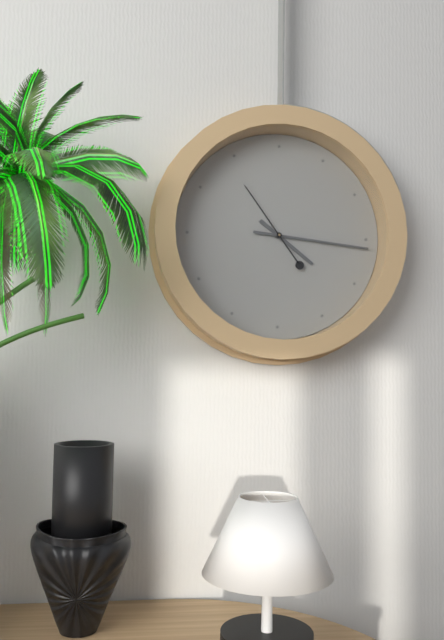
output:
4:16:54
